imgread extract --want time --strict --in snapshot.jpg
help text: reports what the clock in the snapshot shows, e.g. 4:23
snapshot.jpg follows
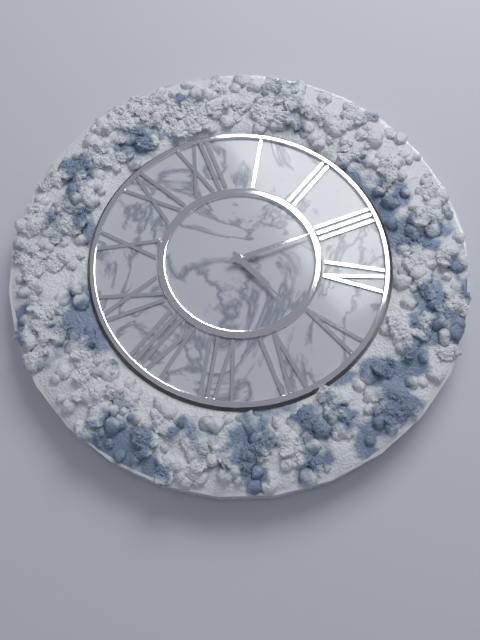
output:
5:15
